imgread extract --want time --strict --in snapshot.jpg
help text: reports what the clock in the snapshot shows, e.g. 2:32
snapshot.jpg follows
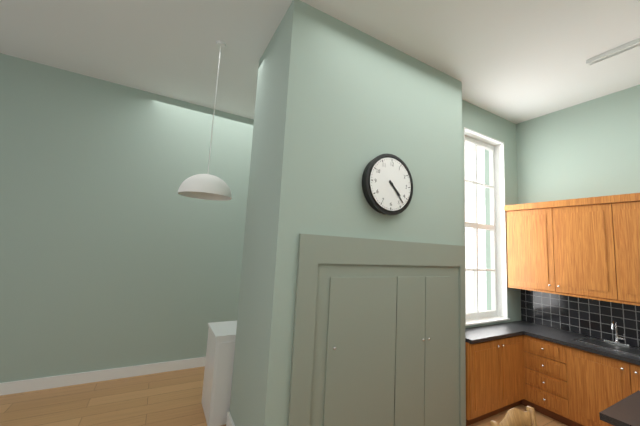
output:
4:23
